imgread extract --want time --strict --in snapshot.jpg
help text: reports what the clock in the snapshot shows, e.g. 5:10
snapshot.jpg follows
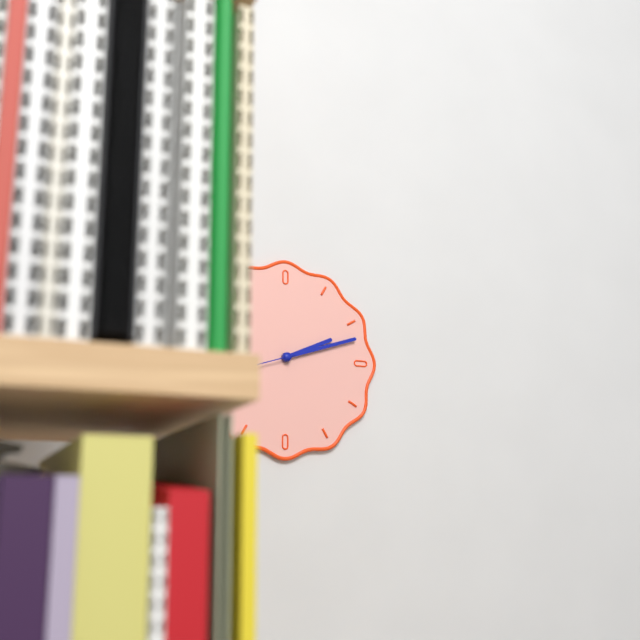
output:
2:12
